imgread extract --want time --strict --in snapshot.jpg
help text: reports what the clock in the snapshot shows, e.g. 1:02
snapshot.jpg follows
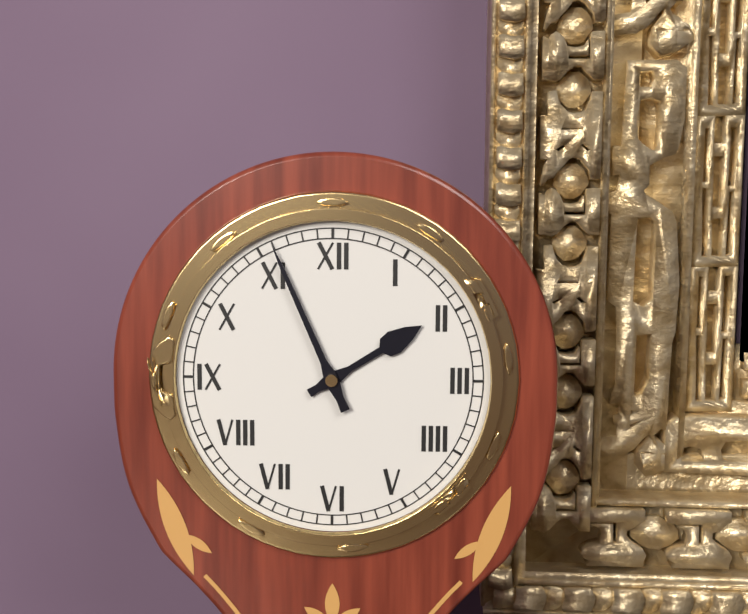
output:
1:56
